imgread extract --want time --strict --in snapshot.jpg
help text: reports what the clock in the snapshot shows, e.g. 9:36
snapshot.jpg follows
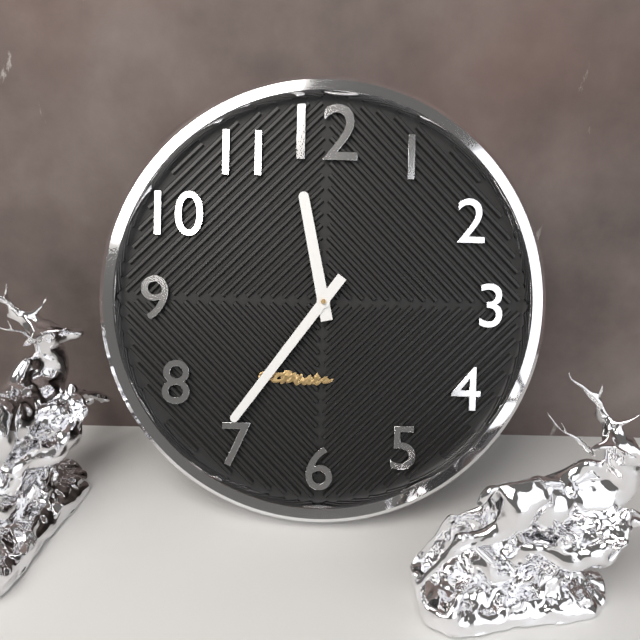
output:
11:36
